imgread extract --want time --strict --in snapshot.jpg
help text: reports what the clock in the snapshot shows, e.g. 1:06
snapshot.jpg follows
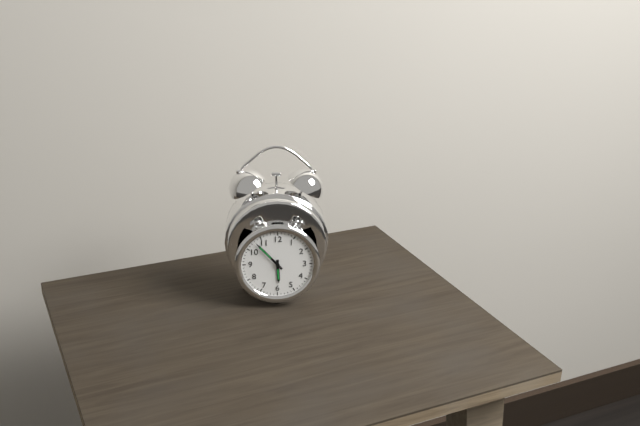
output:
5:53
